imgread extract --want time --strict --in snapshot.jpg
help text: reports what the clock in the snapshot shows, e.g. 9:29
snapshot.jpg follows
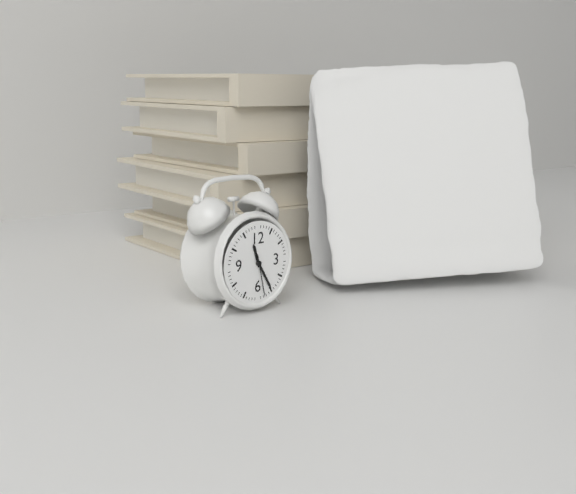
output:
11:25
